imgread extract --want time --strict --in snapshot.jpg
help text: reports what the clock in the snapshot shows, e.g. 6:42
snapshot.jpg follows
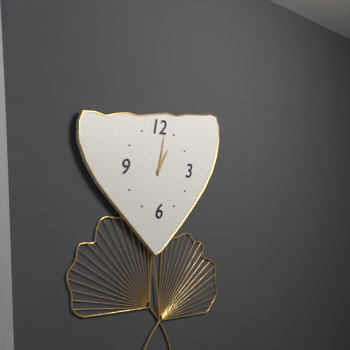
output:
1:02
